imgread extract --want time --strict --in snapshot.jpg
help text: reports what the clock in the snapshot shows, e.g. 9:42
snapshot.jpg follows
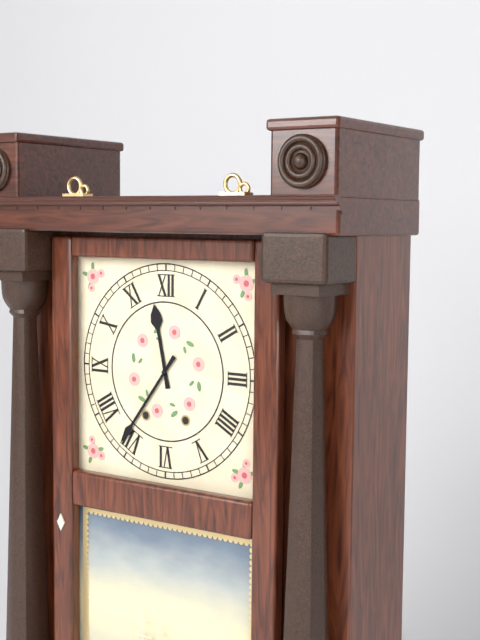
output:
11:36
